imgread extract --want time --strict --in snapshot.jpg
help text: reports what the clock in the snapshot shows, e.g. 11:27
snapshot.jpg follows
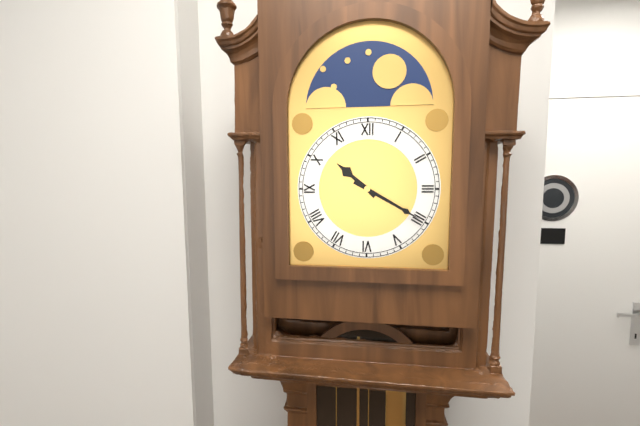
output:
10:20
